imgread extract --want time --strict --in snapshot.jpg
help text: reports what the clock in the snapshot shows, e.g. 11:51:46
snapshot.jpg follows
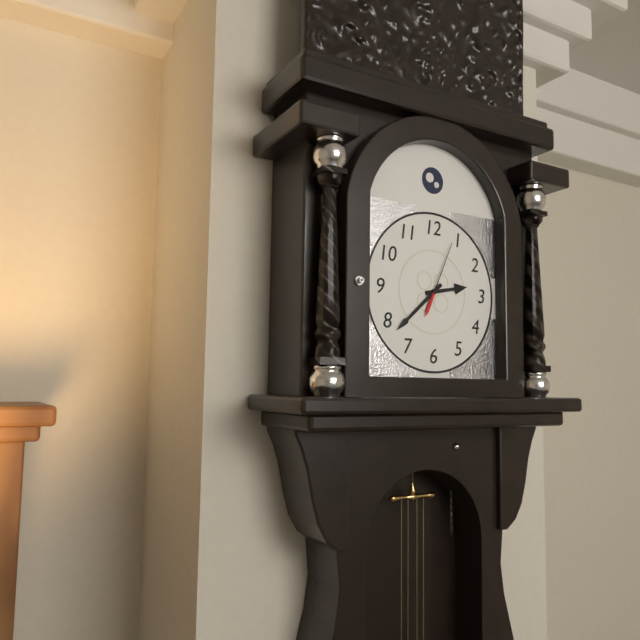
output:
2:38:04
